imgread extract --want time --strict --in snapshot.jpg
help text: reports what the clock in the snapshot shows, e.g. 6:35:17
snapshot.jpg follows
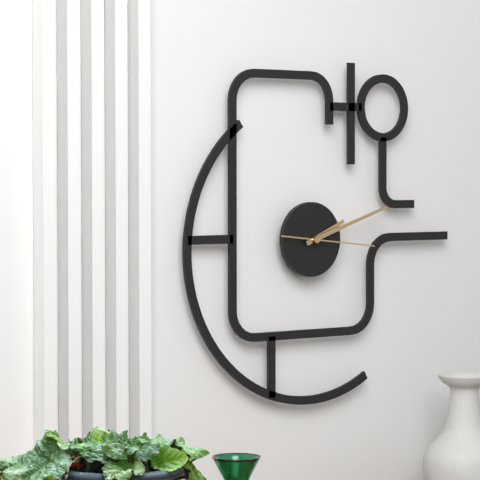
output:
2:12:16
